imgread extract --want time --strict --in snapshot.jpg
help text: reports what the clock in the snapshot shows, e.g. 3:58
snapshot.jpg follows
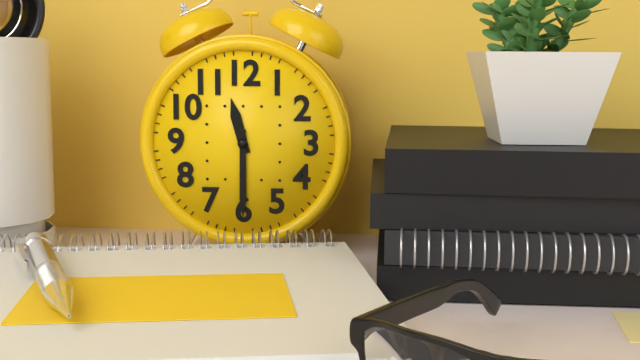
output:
11:30
